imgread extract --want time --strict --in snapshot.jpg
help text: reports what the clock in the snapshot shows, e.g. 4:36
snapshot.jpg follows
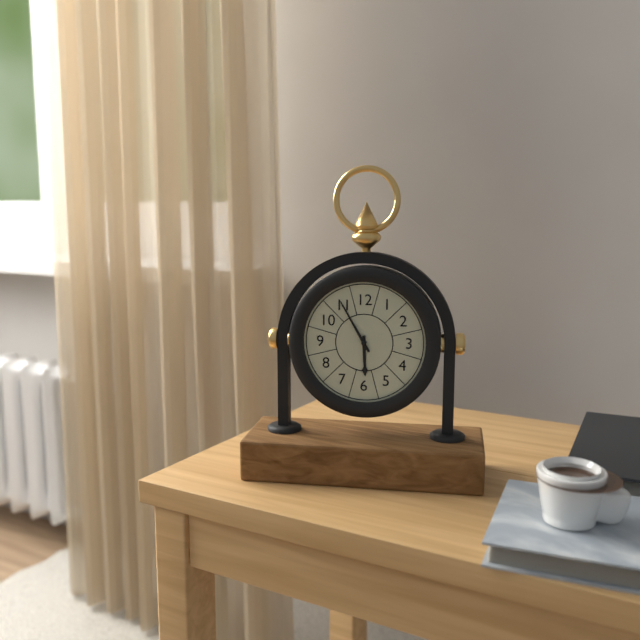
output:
5:55
